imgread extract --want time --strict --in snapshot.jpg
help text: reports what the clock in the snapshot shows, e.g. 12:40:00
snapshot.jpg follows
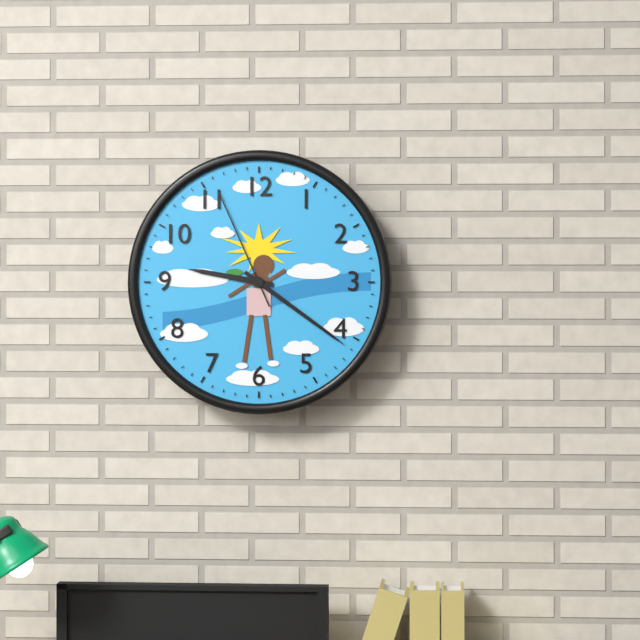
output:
9:21:56
